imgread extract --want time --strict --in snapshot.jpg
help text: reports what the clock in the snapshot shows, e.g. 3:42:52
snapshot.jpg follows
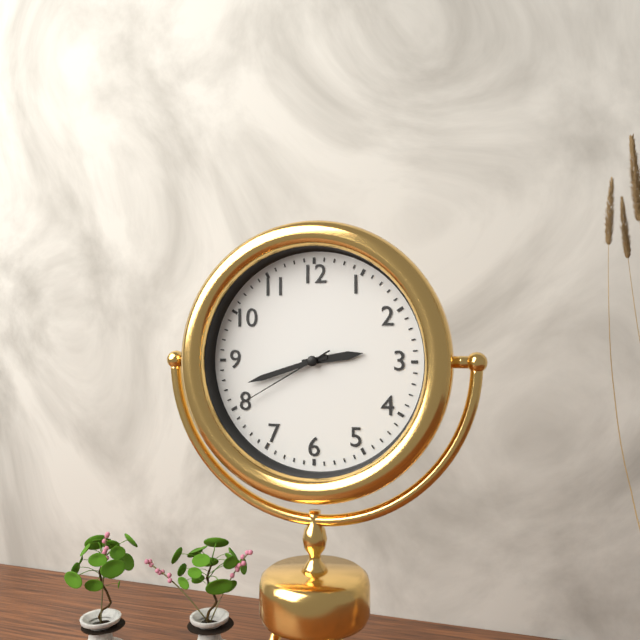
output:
2:42:40
